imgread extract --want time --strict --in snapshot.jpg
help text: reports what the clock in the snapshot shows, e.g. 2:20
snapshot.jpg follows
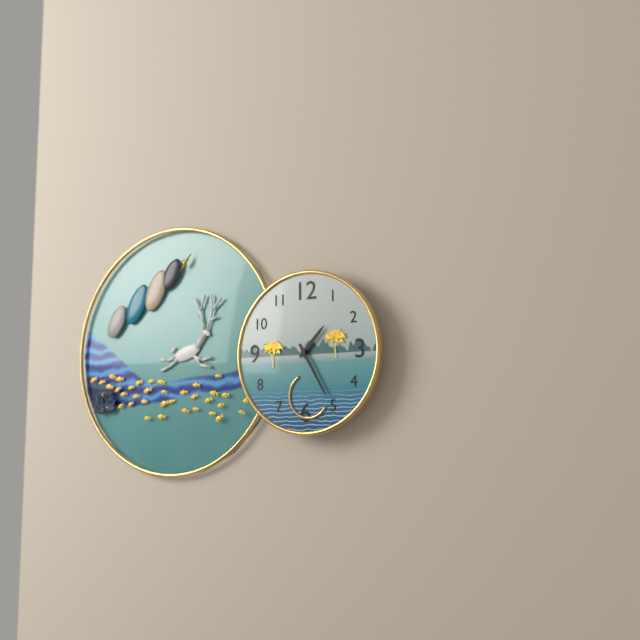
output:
1:25
